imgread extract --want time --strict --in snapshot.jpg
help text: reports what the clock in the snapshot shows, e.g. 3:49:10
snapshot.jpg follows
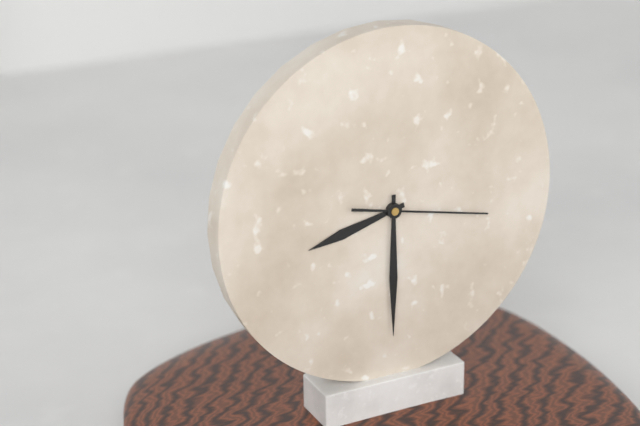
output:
8:30:17
